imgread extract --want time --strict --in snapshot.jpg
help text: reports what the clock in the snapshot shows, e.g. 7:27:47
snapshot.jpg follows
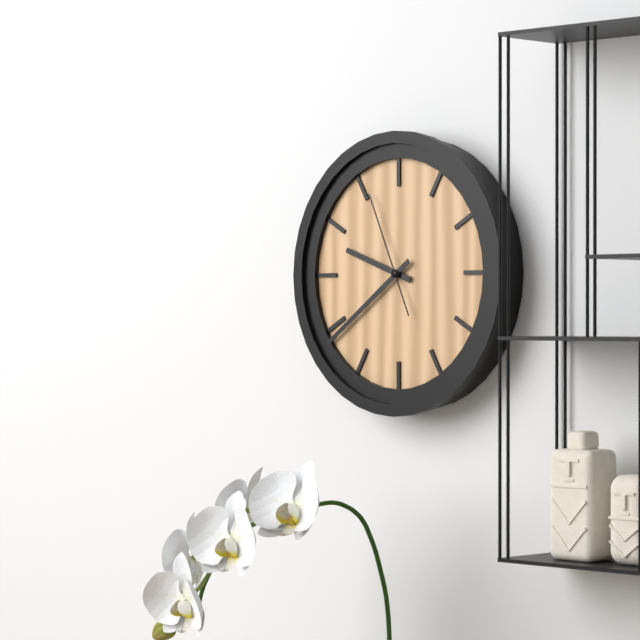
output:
9:39:56
